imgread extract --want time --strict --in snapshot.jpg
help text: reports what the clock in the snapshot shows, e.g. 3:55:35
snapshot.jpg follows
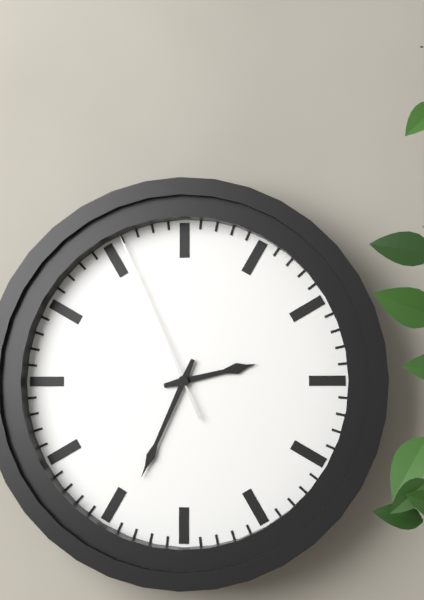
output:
2:34:56
